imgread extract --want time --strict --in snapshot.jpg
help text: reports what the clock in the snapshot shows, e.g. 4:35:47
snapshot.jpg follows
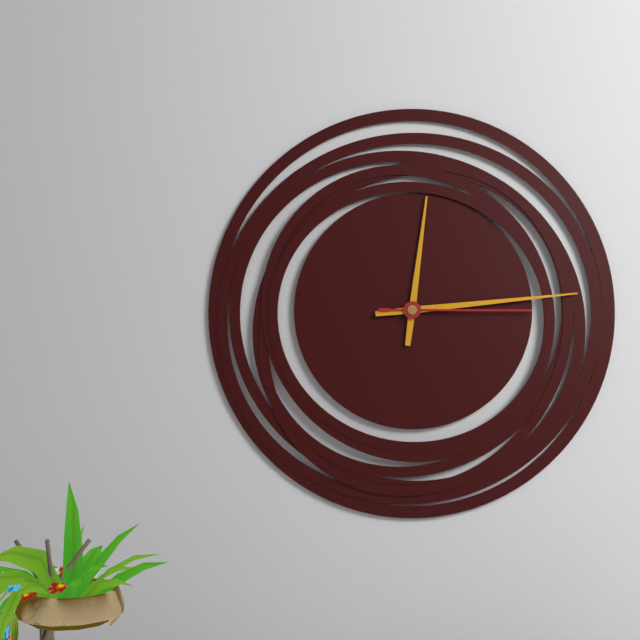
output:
12:14:15
